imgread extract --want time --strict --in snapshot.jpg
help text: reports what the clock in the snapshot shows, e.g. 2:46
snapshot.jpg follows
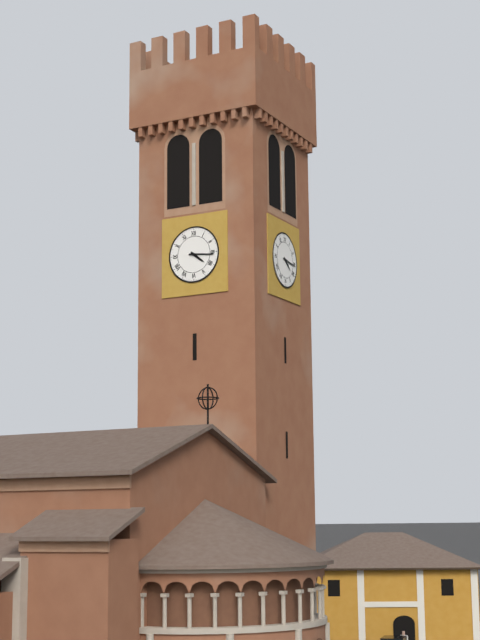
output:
4:16
